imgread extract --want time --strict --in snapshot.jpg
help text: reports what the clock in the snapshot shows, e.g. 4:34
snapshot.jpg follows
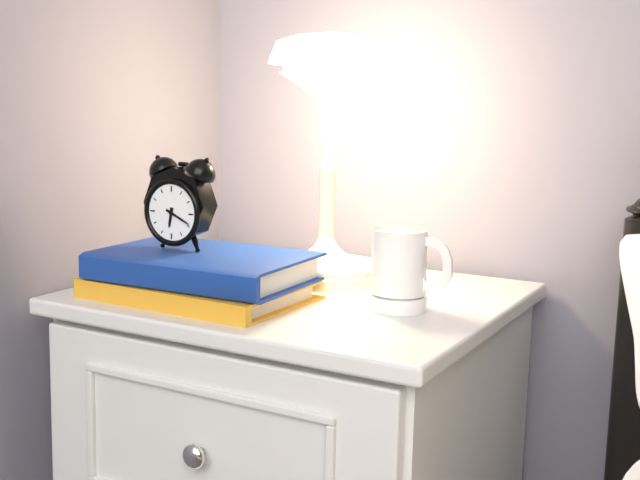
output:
6:19
